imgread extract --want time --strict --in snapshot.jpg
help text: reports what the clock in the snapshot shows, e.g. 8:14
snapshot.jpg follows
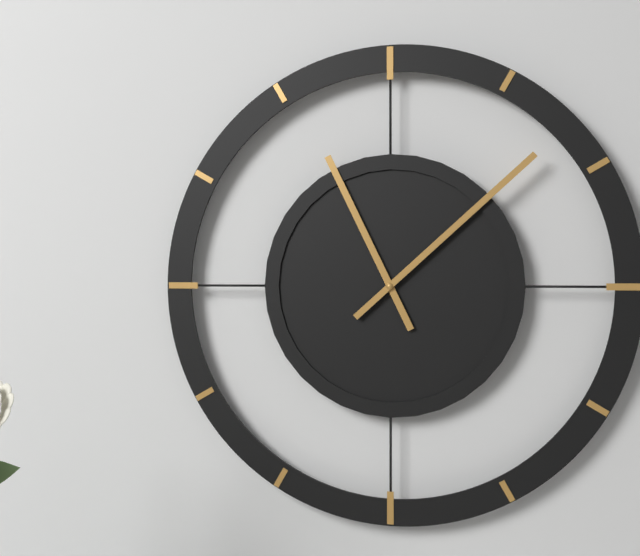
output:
11:08
